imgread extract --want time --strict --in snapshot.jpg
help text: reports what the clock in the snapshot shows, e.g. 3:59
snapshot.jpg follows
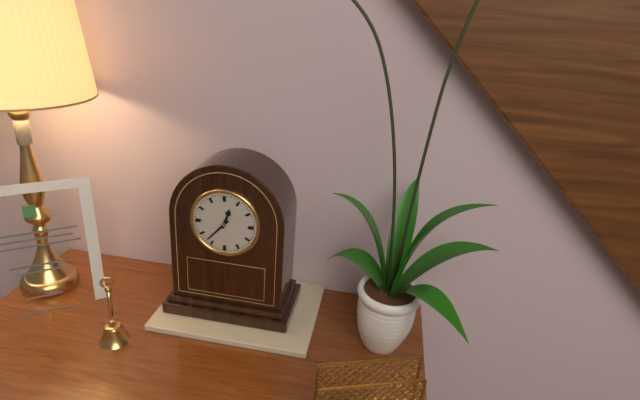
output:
12:37
